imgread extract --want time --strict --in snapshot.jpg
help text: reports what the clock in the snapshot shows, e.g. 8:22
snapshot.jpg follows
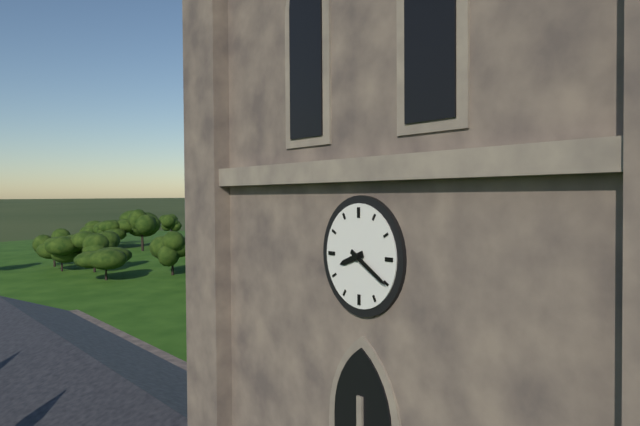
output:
8:20
